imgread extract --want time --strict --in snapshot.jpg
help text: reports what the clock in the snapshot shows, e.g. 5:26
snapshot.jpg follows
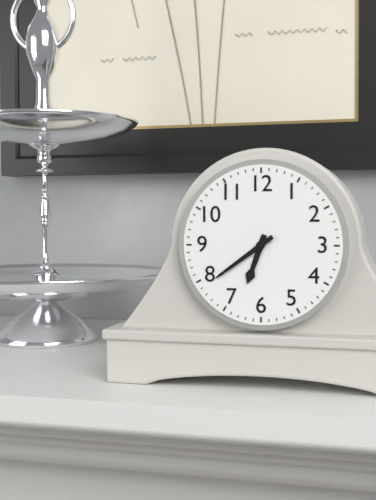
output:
6:39
